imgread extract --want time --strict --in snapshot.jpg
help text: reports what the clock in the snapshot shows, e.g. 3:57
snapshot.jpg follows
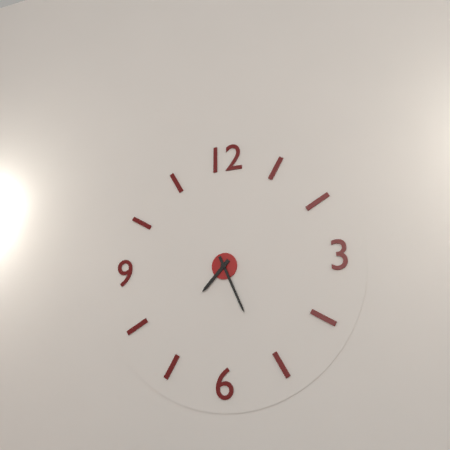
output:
7:26
